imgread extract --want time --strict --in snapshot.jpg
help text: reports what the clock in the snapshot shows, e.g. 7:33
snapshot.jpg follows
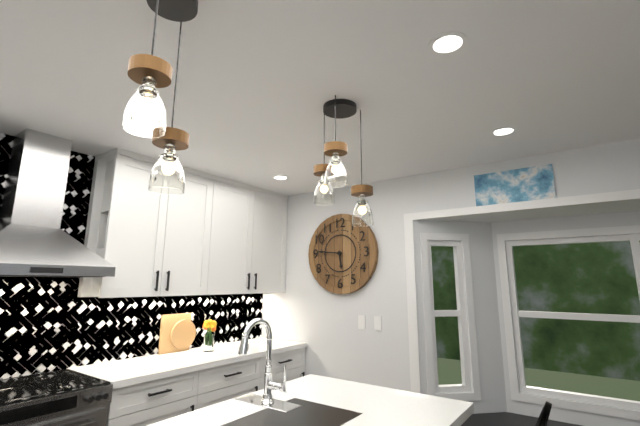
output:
5:46
